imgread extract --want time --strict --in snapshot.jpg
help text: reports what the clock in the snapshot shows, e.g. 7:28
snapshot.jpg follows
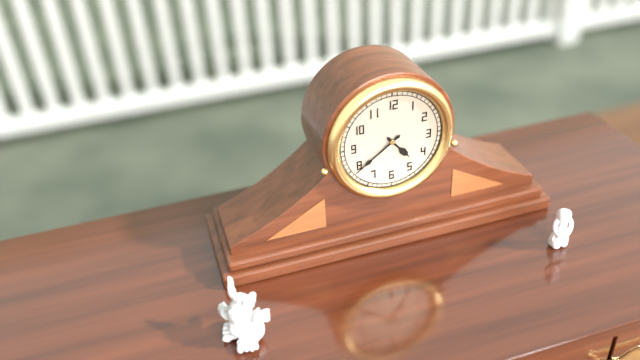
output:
4:39
